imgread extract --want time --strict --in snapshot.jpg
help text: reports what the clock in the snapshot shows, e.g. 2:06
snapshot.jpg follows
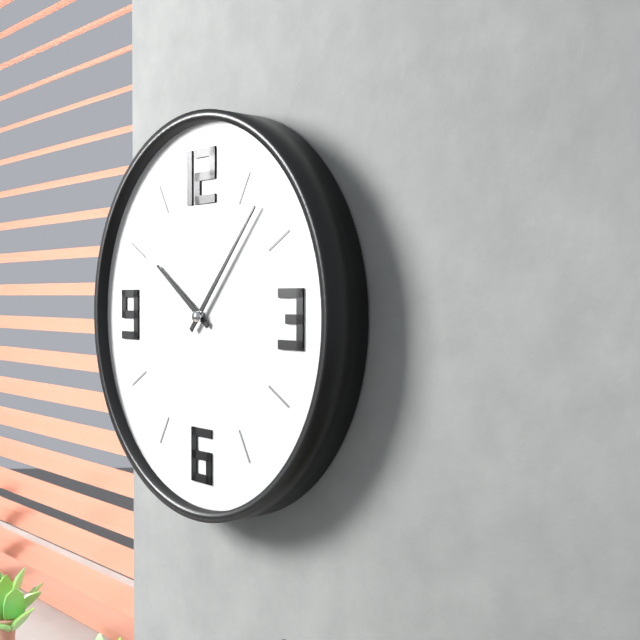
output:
10:07
